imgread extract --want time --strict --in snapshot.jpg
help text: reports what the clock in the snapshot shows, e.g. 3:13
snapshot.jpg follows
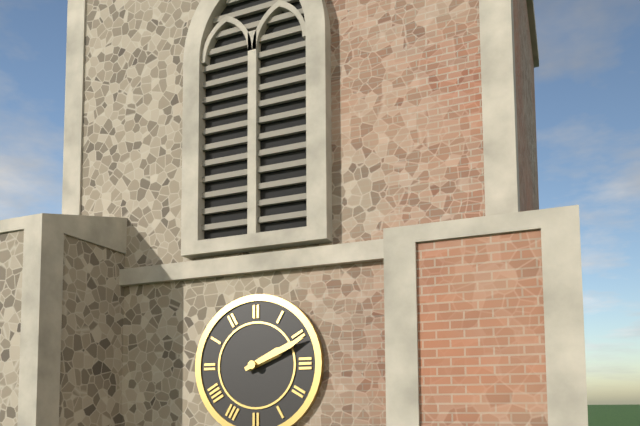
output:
2:11
